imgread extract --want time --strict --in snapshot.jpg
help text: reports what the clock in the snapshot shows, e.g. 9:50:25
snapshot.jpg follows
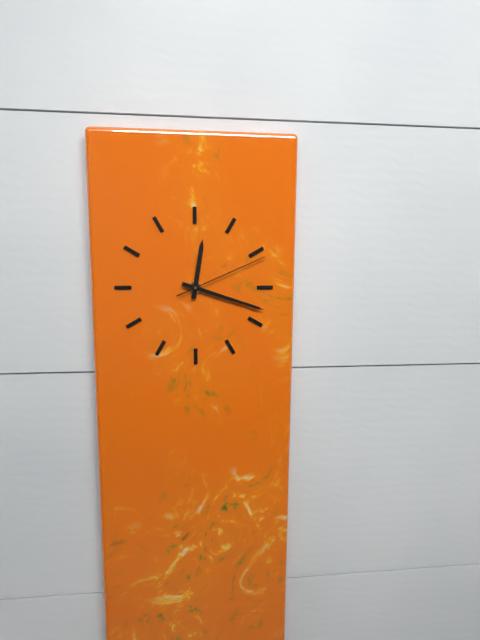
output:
12:18:11
